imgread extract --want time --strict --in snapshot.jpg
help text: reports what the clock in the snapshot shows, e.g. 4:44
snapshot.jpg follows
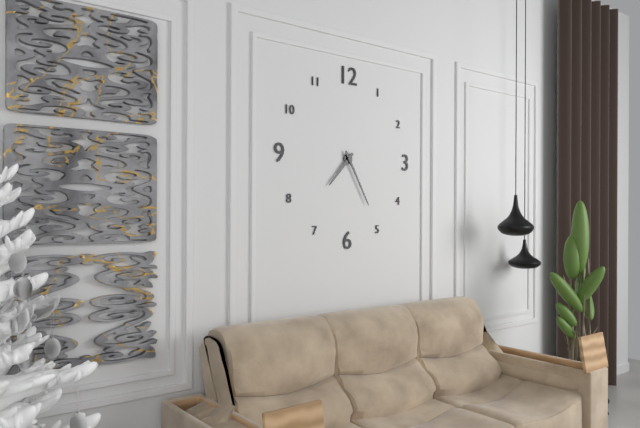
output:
7:25
